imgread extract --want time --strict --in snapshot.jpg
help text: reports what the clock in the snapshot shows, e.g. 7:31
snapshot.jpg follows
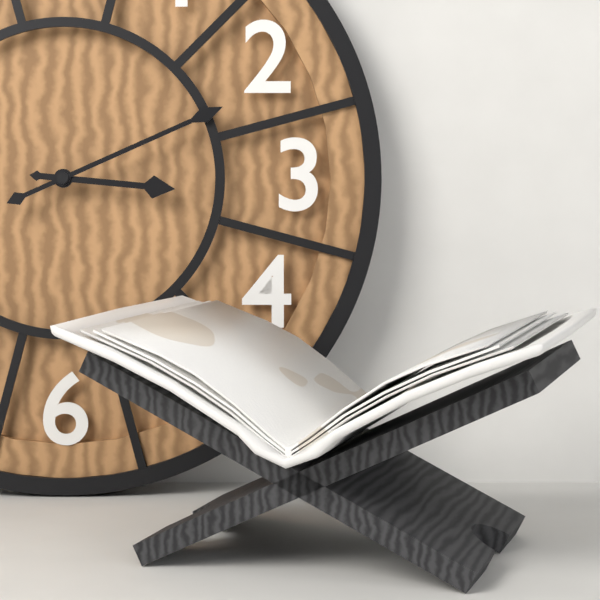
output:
3:11
